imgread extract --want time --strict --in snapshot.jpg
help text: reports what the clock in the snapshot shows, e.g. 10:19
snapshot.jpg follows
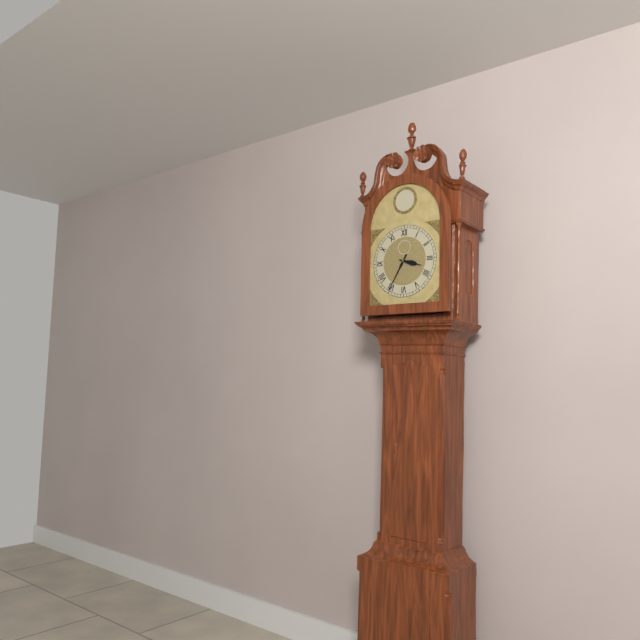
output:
3:35
